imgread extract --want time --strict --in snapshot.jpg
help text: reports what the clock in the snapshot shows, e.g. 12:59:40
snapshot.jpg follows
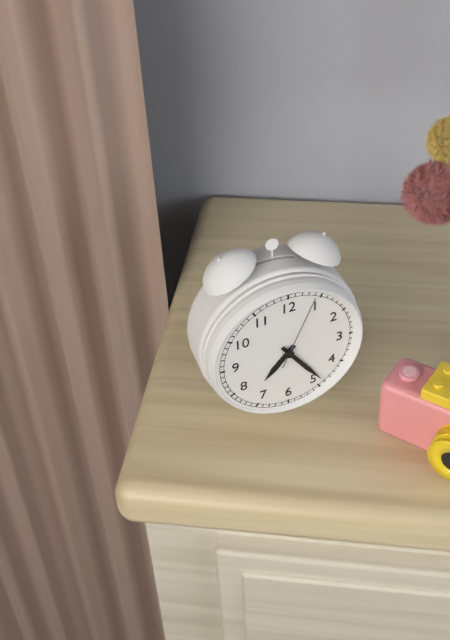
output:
7:24:04
